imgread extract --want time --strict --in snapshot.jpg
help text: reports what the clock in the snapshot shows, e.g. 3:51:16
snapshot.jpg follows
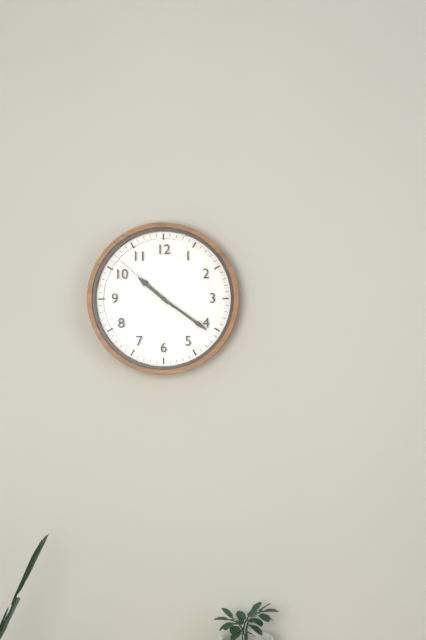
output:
10:21:52
